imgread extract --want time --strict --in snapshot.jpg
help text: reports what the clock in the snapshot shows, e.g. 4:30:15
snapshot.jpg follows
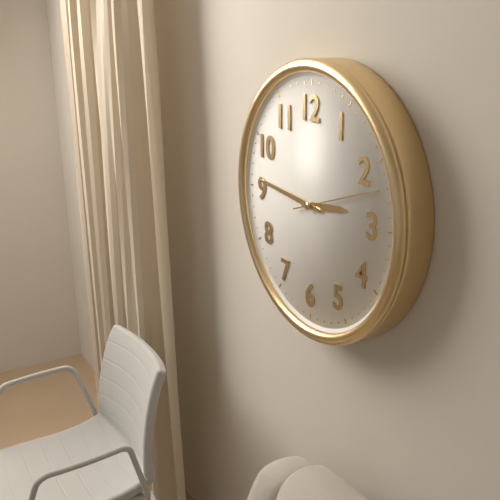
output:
2:46:12
